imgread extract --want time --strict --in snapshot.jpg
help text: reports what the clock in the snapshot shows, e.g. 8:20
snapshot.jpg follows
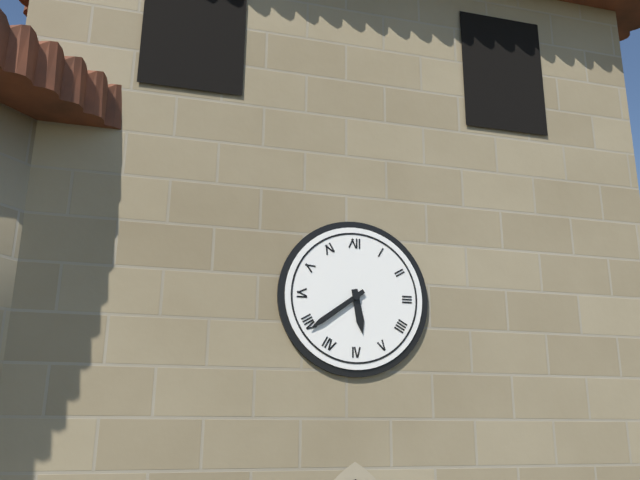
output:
5:39
